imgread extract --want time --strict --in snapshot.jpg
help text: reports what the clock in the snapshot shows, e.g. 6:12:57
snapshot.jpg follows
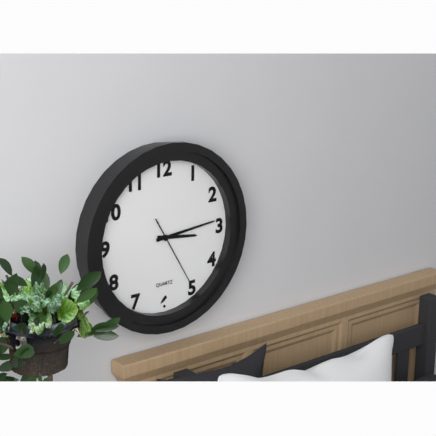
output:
3:14:25
